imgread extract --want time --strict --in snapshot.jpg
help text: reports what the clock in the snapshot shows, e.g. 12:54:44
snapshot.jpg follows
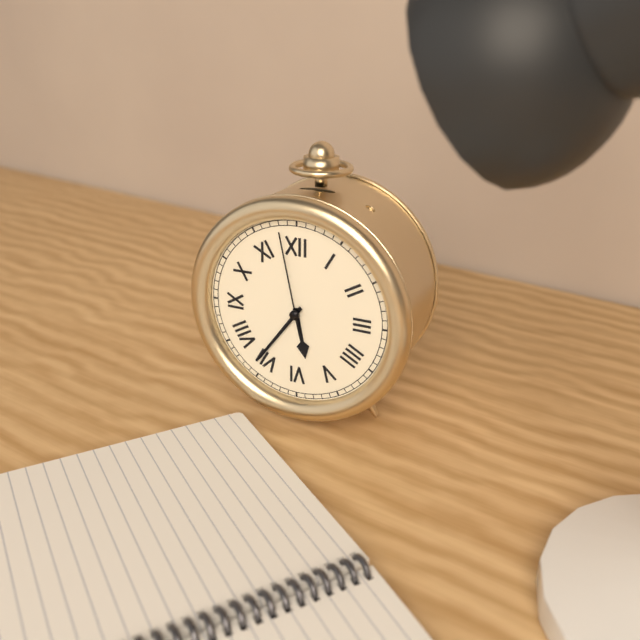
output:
5:36:58
